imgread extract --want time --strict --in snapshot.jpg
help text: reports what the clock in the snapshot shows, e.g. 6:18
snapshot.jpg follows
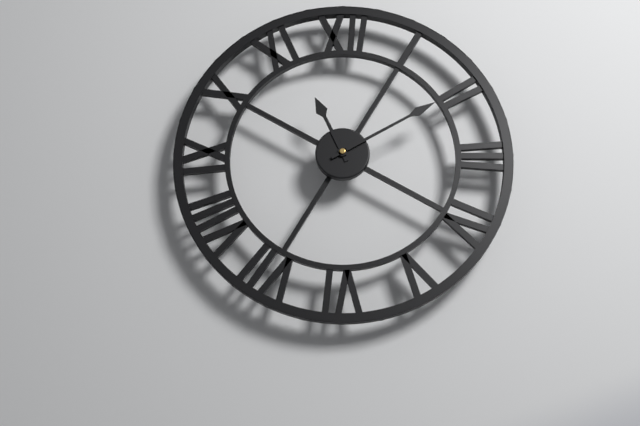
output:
11:10
